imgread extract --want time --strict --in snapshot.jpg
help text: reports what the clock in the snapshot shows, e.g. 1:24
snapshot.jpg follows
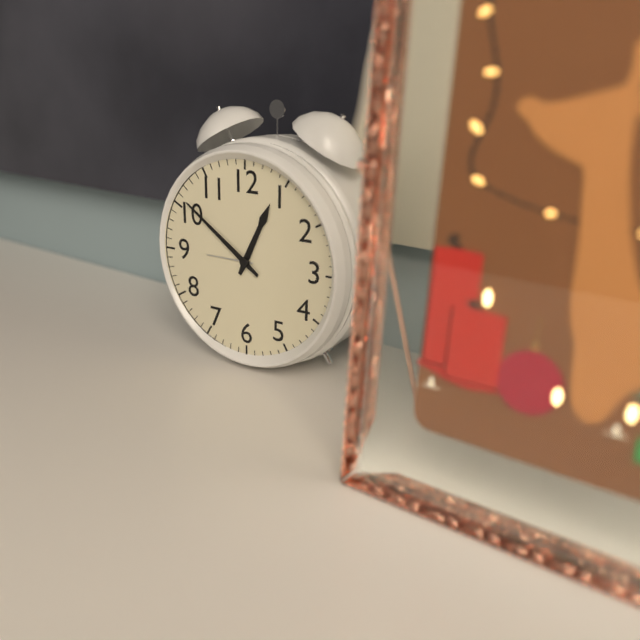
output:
12:51
